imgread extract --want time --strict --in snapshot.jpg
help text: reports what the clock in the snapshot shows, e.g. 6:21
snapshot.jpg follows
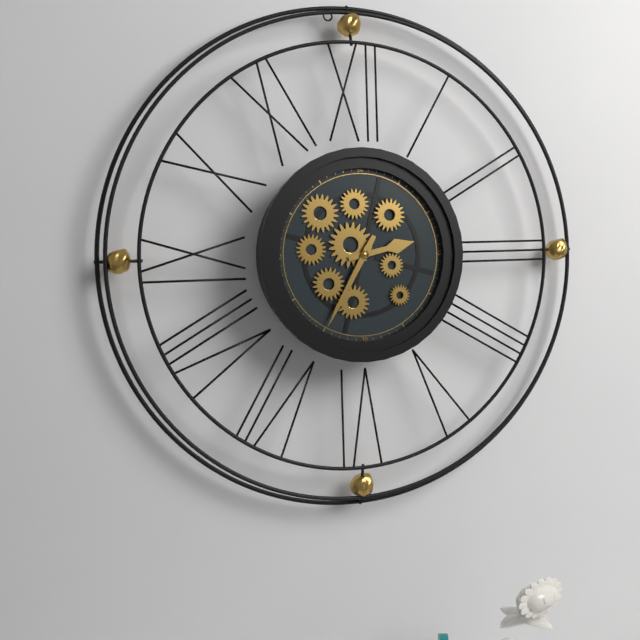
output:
2:35
